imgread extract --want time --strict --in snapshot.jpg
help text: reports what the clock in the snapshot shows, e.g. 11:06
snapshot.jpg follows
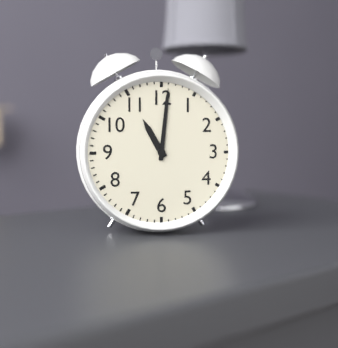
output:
11:01
